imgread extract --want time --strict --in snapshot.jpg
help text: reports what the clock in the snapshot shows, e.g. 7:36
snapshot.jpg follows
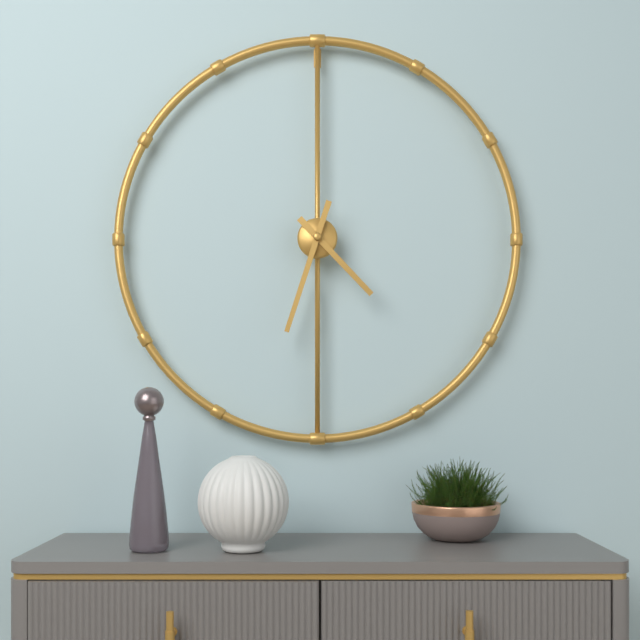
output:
4:33
